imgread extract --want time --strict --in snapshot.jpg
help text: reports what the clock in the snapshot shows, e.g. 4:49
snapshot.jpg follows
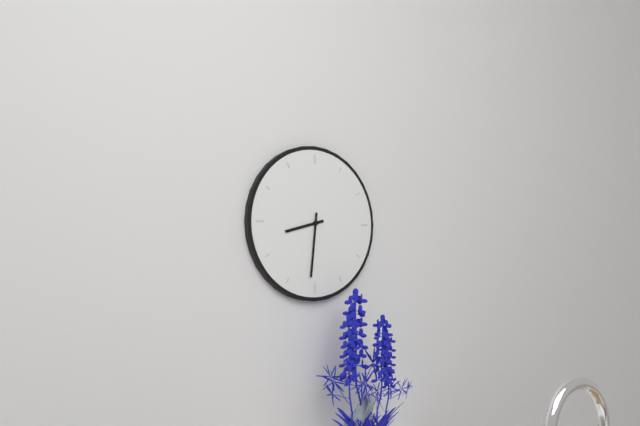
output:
8:31
